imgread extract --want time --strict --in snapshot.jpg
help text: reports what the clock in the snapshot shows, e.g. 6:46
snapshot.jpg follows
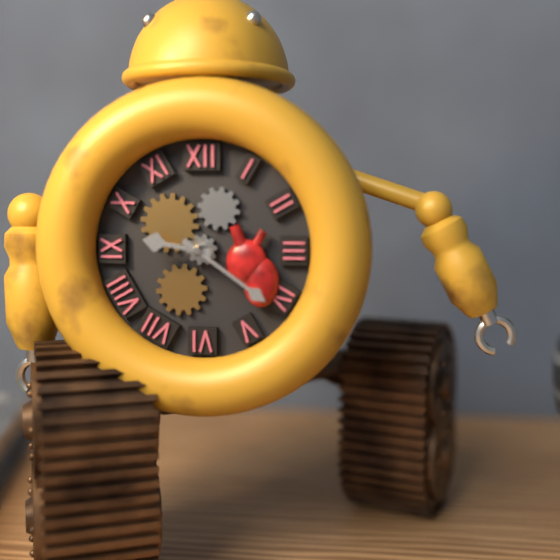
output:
9:21
